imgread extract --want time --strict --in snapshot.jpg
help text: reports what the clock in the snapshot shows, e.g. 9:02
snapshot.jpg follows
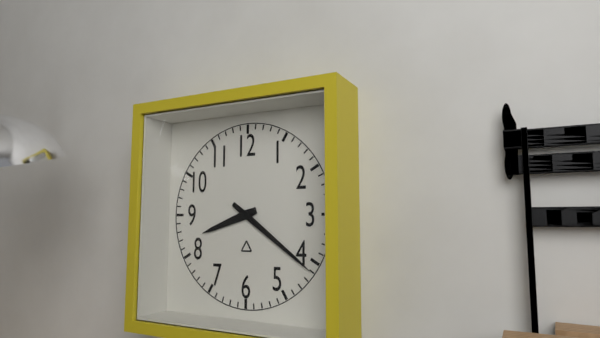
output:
8:21
